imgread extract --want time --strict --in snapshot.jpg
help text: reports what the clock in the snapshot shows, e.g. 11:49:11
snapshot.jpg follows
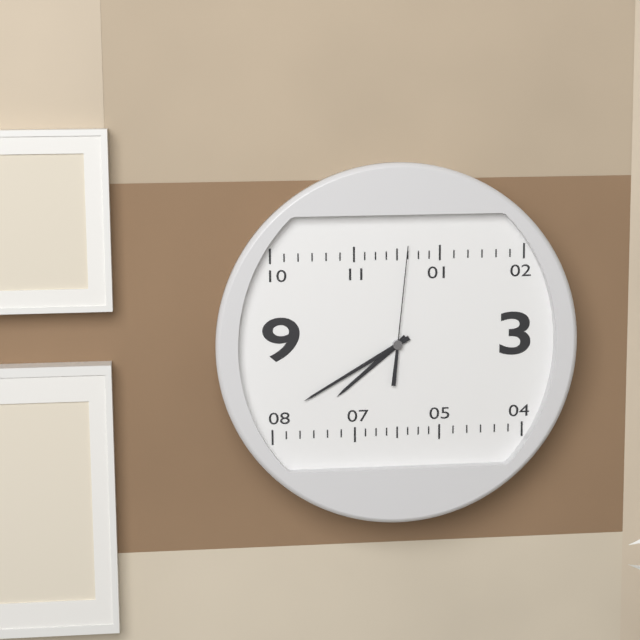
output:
7:40:01
